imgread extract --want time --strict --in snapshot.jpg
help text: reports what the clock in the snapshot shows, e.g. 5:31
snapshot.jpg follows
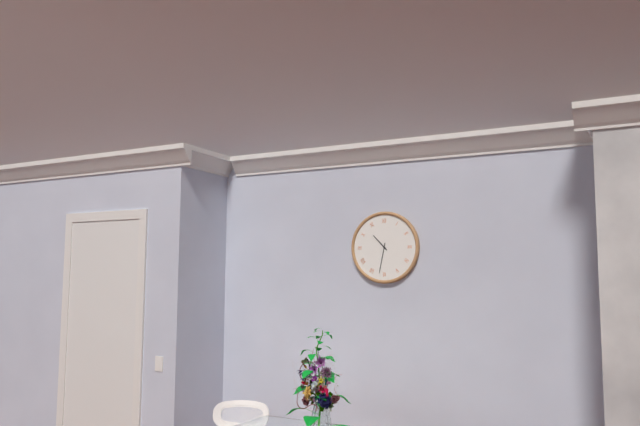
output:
10:32
